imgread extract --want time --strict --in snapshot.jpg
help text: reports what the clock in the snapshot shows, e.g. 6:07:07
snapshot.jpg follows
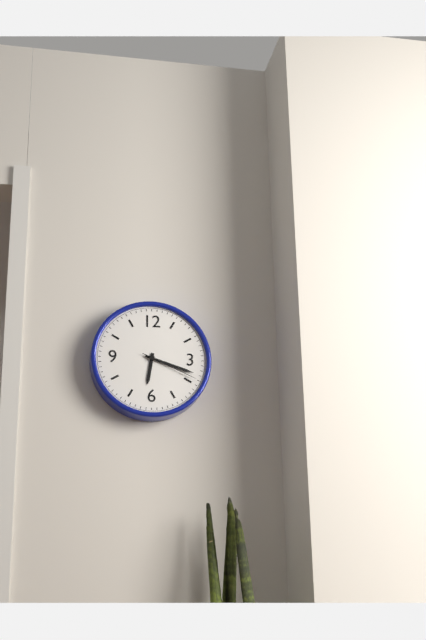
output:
6:18:19
